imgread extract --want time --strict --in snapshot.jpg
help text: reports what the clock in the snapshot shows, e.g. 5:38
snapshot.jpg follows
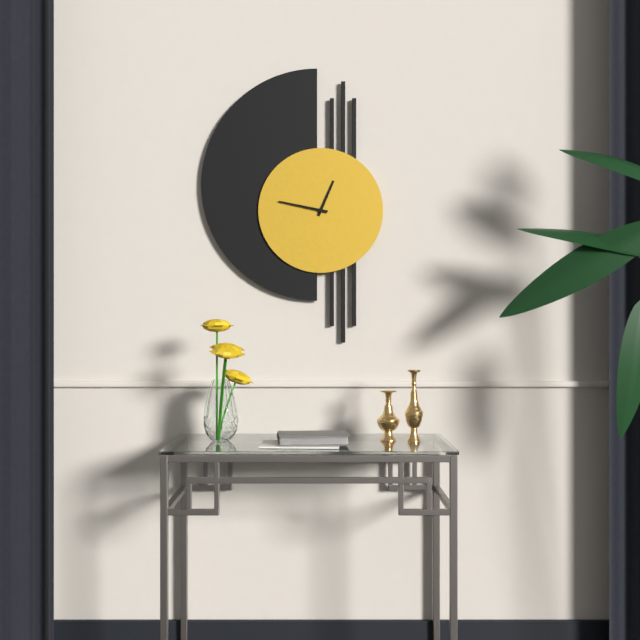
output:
12:47
